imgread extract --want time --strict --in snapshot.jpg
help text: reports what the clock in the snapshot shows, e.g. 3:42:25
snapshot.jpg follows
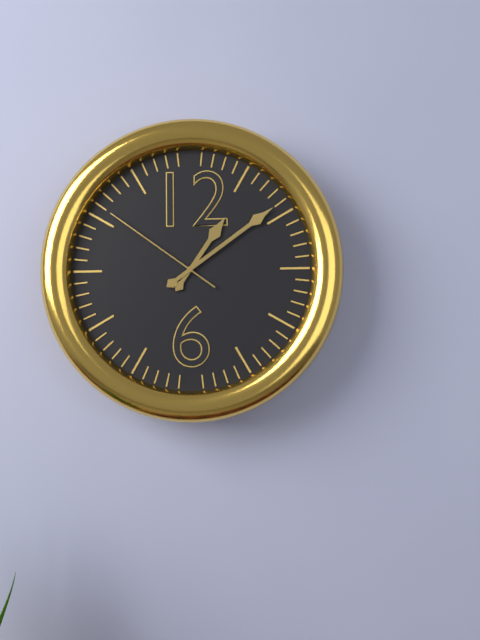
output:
1:09:51
